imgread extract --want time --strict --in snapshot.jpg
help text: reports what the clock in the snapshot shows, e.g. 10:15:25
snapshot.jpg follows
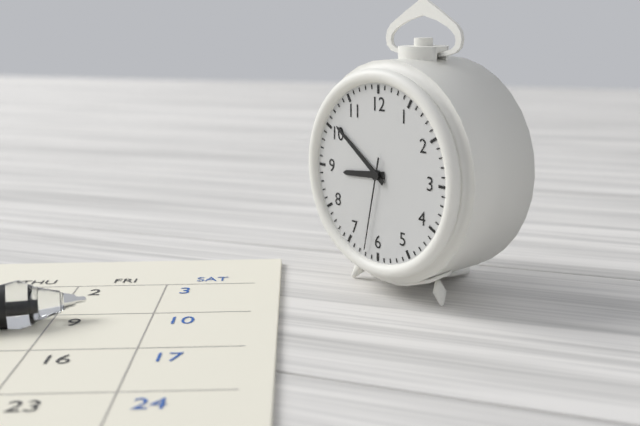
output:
8:51:32
